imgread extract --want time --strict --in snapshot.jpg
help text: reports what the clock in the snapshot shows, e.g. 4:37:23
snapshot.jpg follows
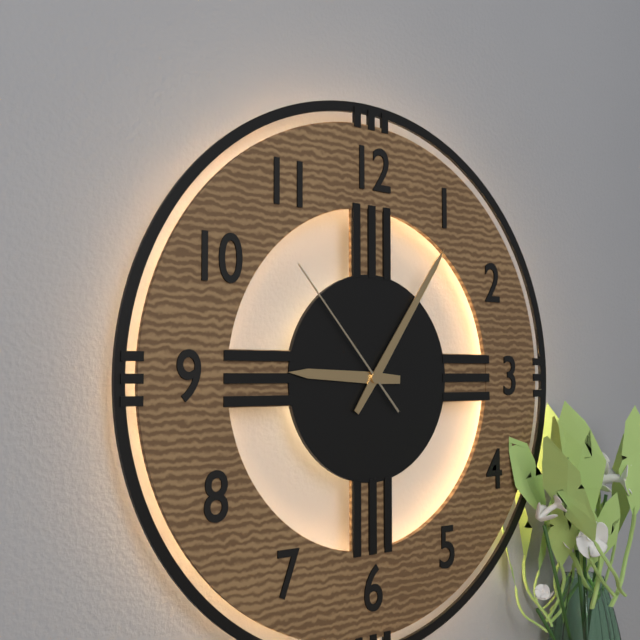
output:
9:06:53
